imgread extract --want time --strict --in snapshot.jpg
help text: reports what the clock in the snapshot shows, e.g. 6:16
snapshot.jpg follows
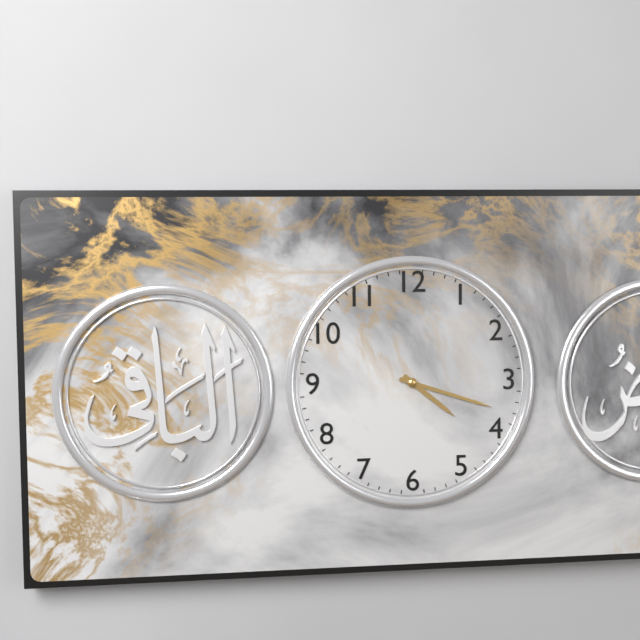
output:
4:18
